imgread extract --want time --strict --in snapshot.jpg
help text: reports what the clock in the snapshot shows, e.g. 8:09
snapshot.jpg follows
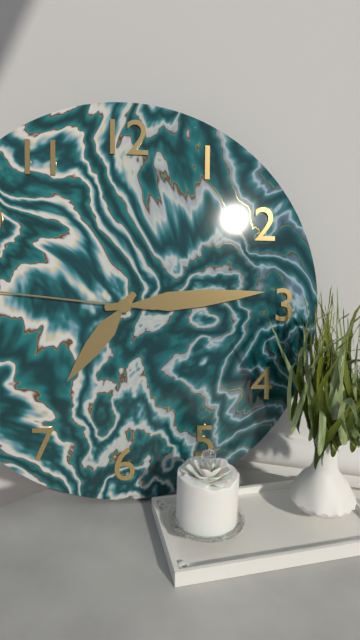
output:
7:14
